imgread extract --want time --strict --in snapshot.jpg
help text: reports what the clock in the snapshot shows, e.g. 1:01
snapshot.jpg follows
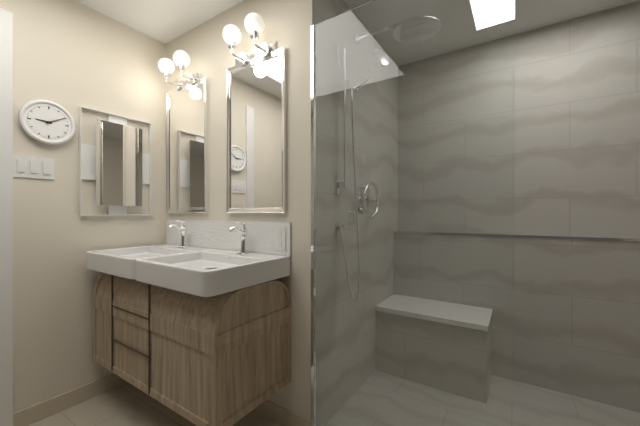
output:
9:10
